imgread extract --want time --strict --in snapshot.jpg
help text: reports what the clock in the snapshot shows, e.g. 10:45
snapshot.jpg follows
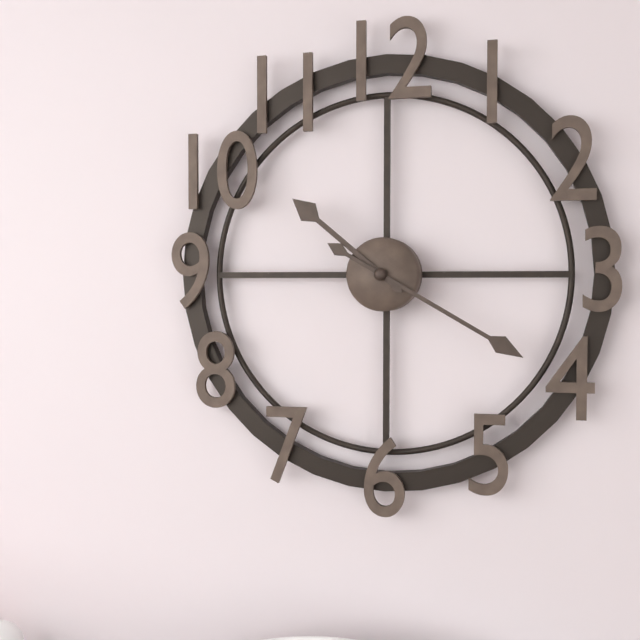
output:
10:20
